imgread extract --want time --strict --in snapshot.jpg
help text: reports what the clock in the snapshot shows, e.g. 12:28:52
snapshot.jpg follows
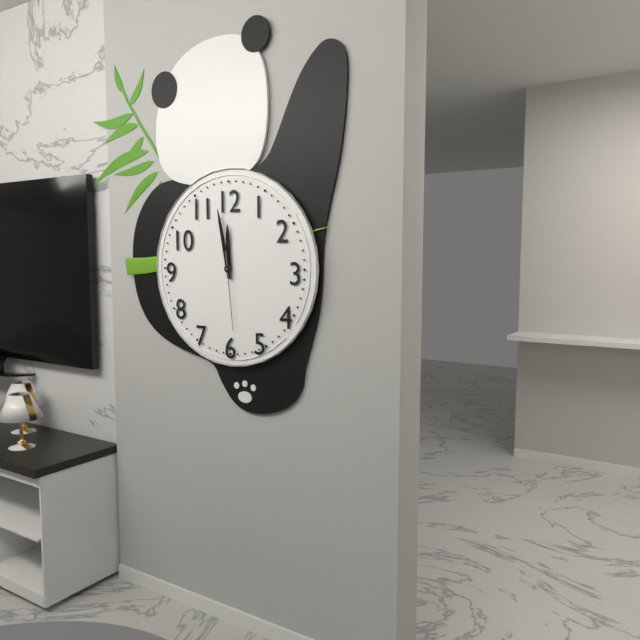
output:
11:58:29
